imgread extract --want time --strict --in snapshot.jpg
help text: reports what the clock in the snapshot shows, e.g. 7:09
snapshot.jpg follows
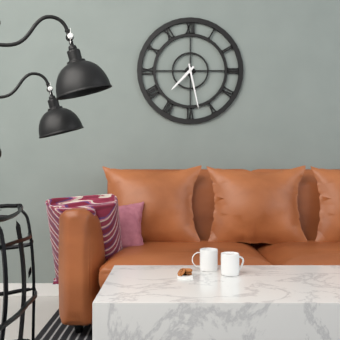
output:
7:28
